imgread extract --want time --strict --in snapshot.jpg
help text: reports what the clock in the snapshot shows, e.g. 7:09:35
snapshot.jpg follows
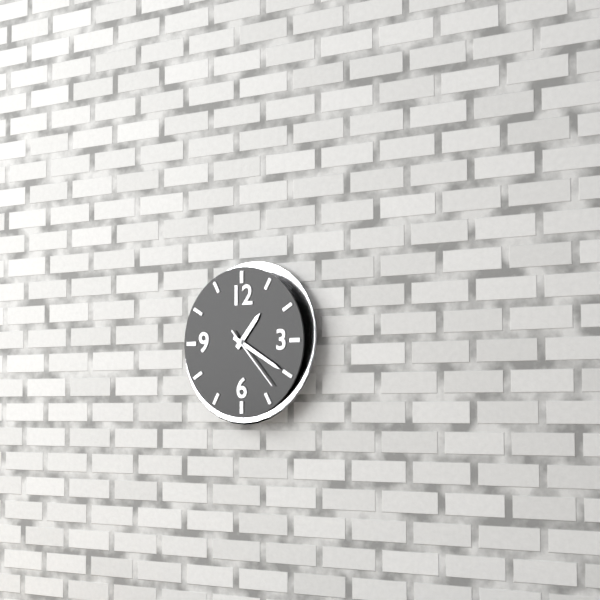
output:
1:20:23
